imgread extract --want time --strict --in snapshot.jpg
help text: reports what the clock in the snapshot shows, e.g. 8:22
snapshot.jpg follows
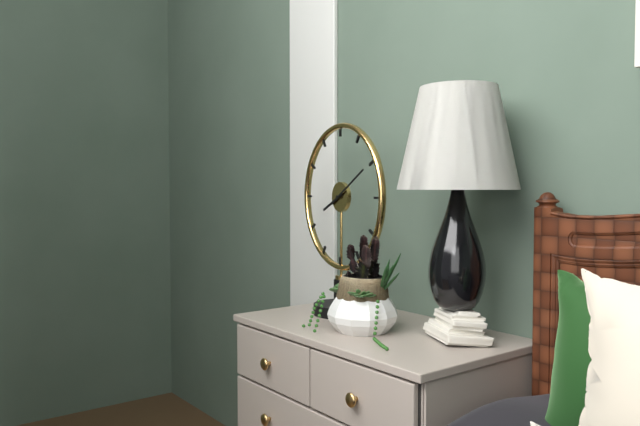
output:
8:10
